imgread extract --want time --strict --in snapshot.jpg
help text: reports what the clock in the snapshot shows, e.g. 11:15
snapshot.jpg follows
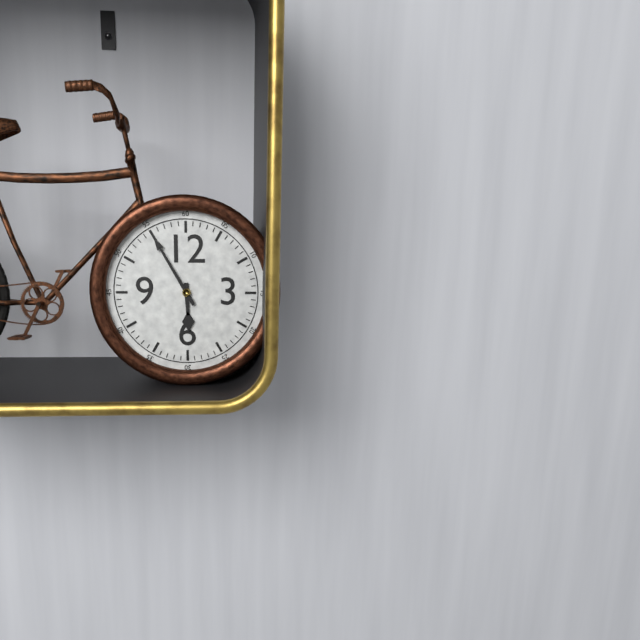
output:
5:55
